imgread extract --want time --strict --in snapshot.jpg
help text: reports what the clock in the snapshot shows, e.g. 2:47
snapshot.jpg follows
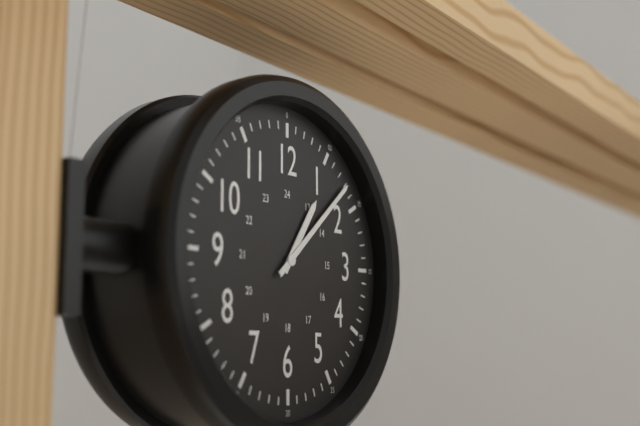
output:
1:08
